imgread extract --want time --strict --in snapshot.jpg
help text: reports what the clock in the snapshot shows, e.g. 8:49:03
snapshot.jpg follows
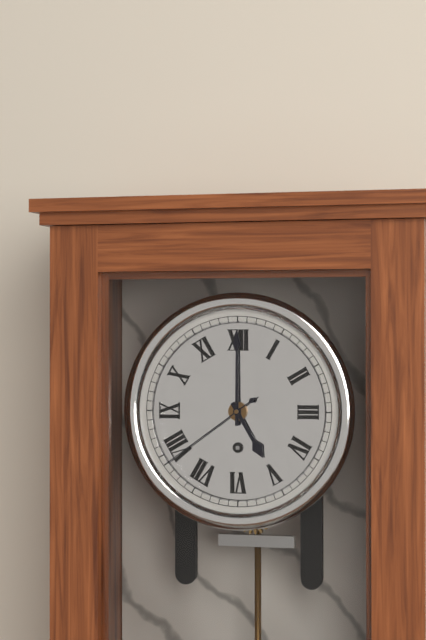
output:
5:00:39
